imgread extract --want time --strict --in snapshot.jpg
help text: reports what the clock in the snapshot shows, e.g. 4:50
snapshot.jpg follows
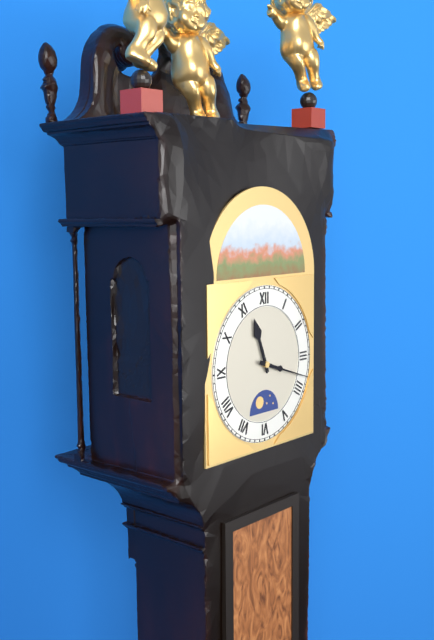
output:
11:18
